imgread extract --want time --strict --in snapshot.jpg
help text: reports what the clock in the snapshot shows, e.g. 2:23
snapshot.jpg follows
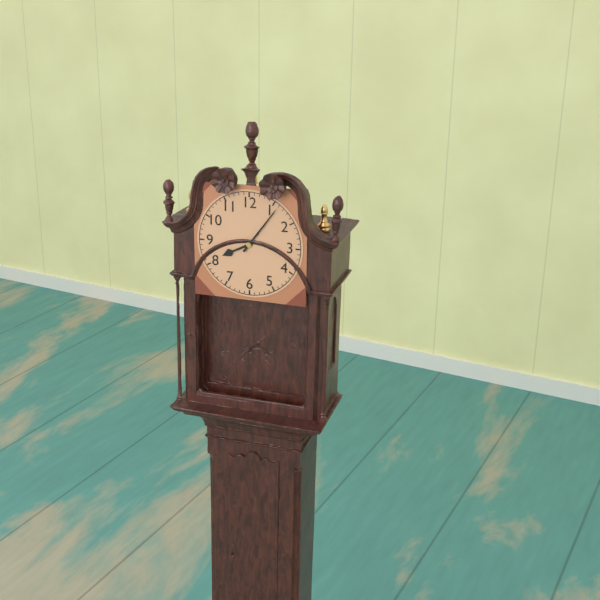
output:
8:06
